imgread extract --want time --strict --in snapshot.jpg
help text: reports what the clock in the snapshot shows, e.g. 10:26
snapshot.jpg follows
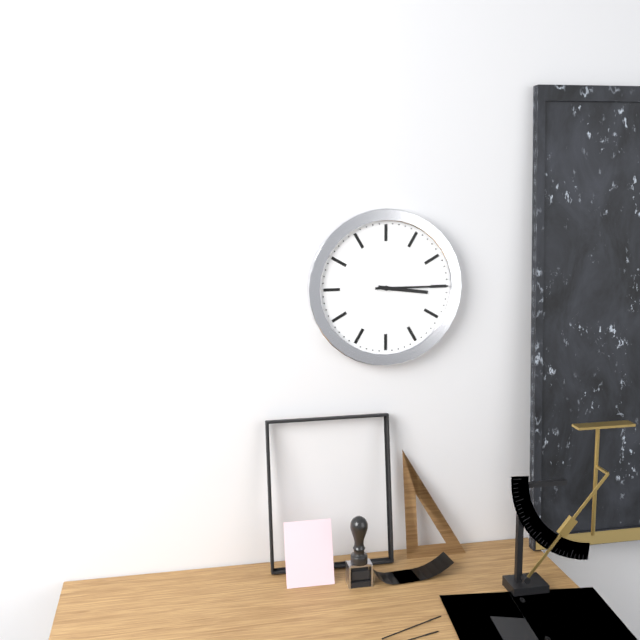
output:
3:15
